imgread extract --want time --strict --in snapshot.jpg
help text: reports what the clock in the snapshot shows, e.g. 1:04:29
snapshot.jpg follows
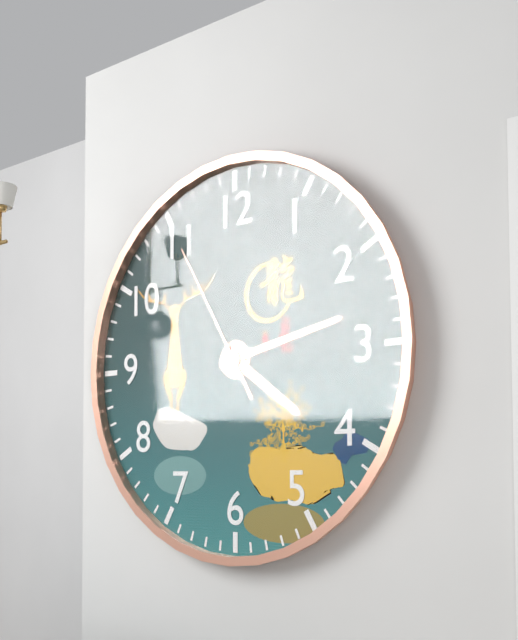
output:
4:13:55
